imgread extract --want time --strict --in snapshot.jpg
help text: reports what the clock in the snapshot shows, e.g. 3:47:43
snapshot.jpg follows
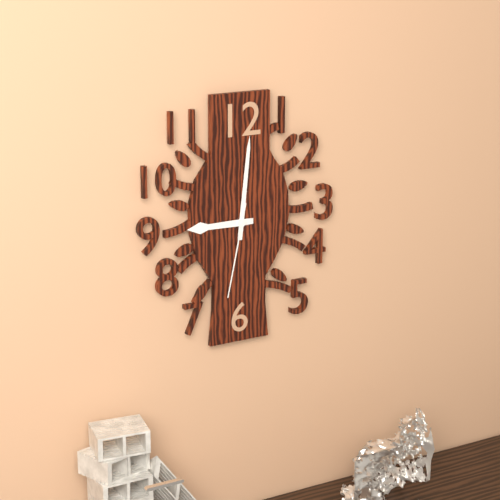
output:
9:01:32
